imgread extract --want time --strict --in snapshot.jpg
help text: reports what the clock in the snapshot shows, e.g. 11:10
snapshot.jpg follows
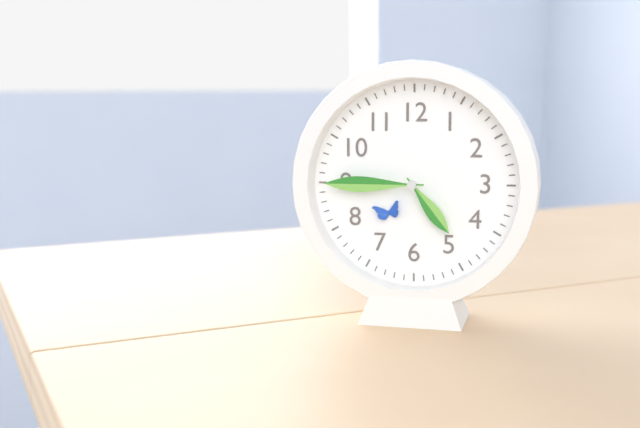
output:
4:45
